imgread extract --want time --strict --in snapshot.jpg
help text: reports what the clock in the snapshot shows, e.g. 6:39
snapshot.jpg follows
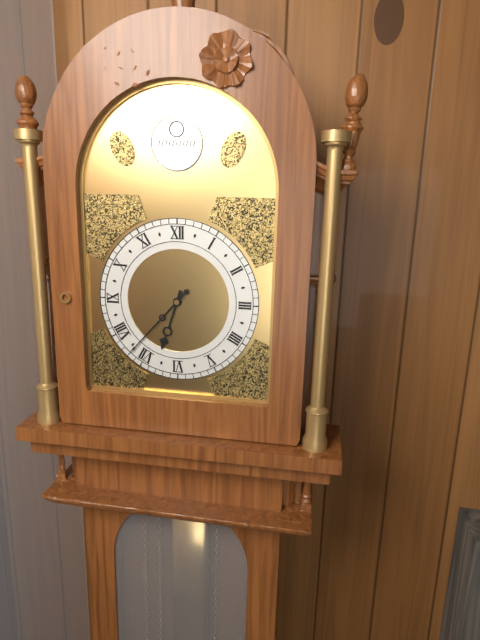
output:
6:37
